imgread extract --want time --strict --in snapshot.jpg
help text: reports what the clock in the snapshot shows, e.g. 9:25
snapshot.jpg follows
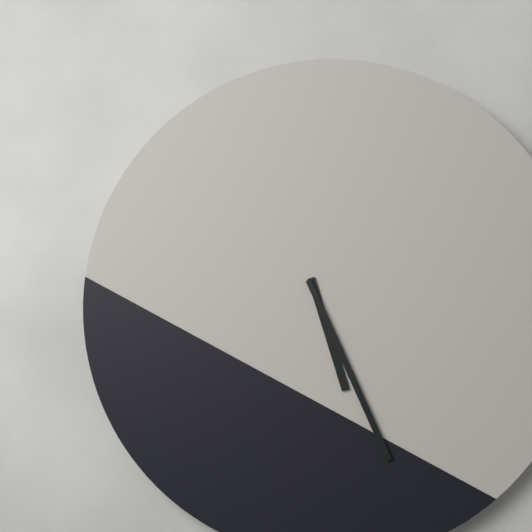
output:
5:26
